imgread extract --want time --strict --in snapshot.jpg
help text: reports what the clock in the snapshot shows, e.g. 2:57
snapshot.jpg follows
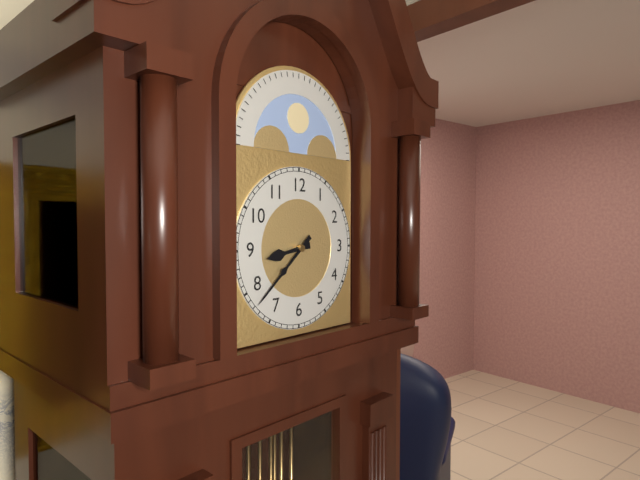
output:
8:38
